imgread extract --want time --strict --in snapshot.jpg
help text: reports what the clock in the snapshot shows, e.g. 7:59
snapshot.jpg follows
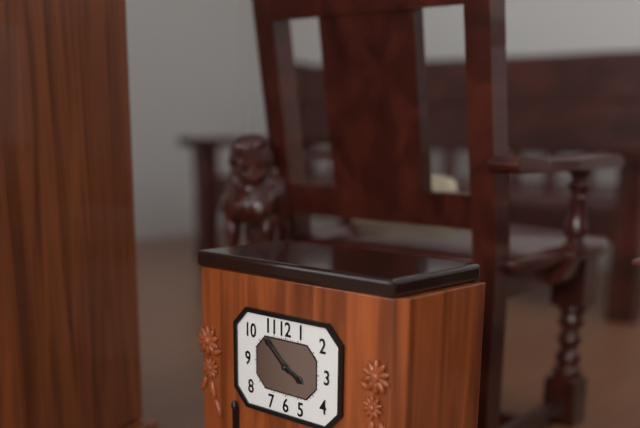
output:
3:52
